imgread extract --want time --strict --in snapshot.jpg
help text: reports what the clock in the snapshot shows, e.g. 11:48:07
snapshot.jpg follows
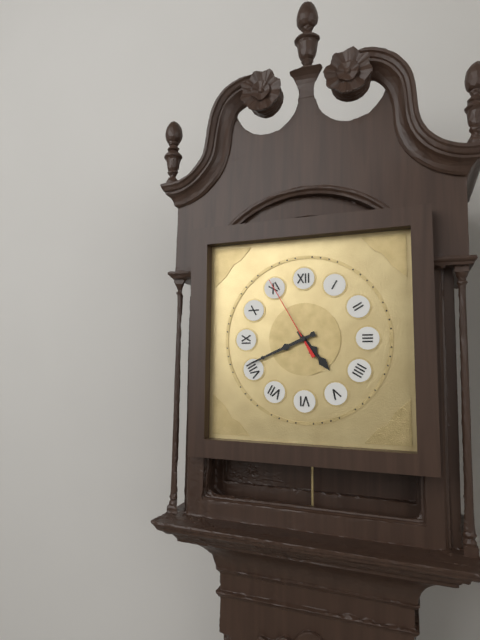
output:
4:41:55
